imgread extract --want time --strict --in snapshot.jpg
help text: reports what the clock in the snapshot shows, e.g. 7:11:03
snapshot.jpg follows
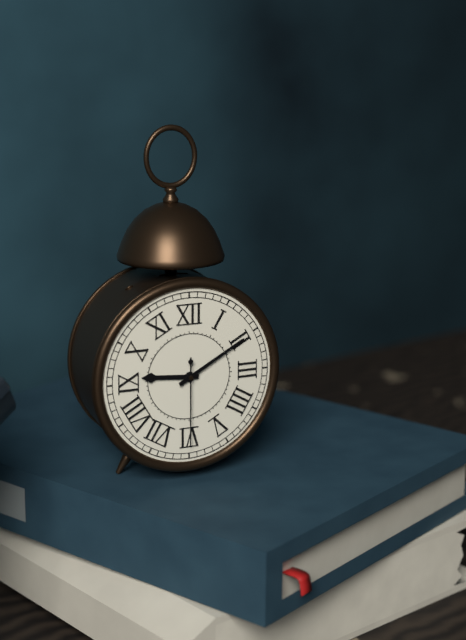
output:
9:10:30
